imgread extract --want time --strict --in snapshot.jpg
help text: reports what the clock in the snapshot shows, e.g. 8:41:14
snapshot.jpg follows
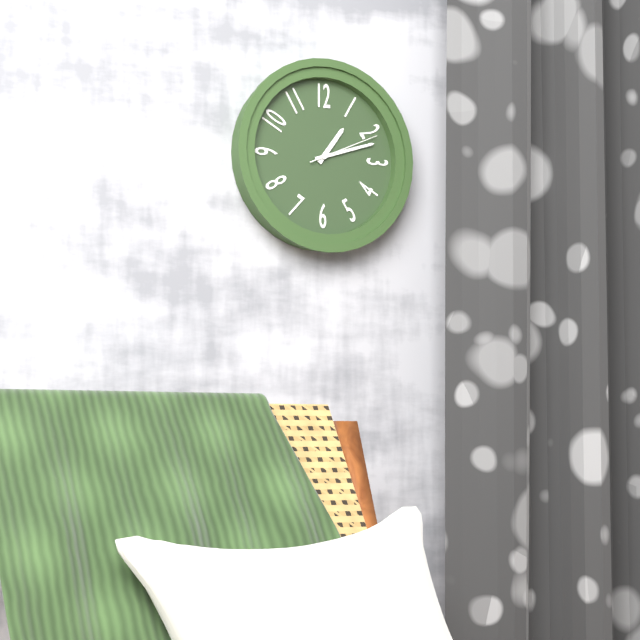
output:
1:12:11
